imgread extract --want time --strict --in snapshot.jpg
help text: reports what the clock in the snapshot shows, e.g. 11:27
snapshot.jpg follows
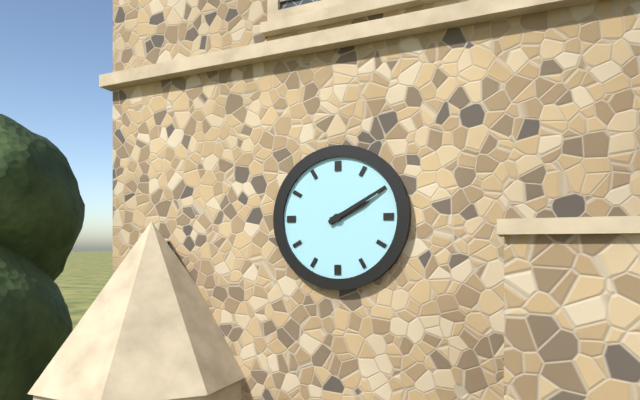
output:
2:10
